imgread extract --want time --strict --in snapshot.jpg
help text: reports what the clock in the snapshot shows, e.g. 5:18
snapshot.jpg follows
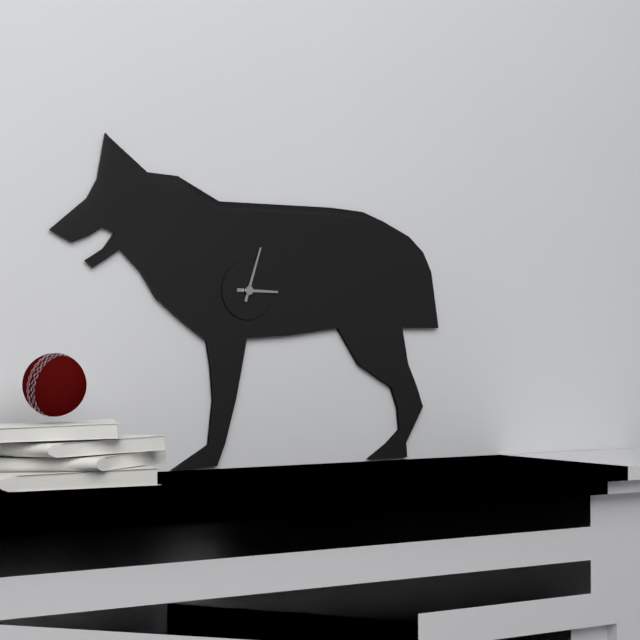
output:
3:03
